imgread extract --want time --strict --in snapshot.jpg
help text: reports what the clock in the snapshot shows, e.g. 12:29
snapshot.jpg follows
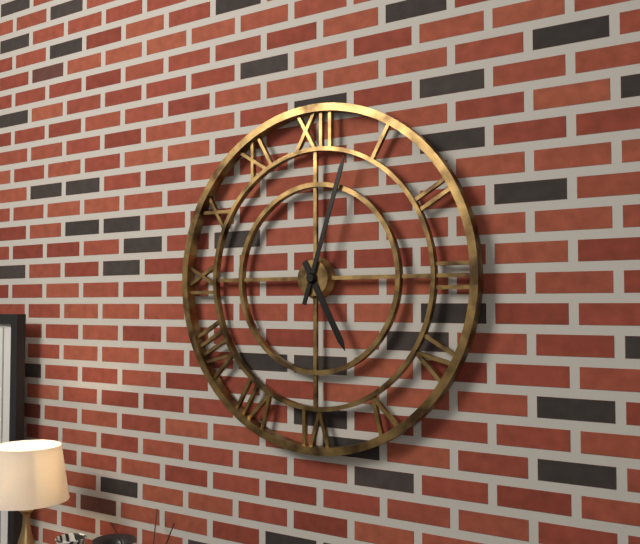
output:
5:03
